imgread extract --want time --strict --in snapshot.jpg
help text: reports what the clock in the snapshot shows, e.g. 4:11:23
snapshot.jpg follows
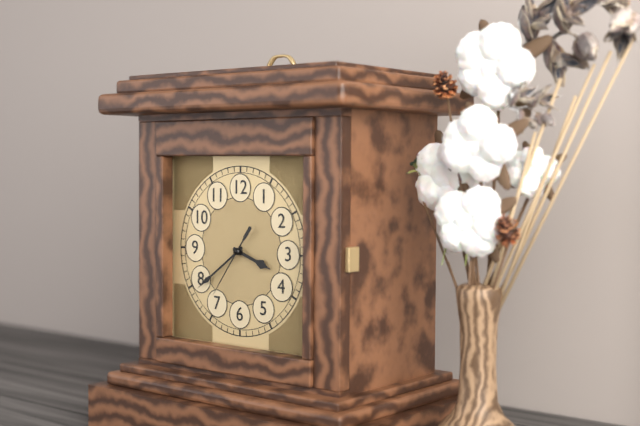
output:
3:39:36
